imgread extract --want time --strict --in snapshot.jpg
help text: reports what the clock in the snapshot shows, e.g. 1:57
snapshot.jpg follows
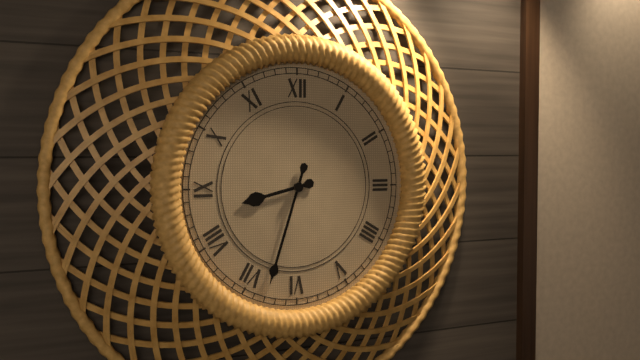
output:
8:33
